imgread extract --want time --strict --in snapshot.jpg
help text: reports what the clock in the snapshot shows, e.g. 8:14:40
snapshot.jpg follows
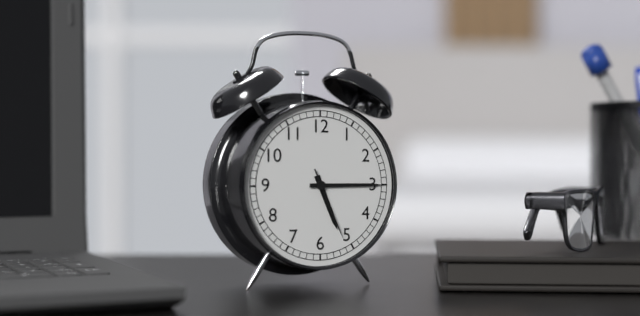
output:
5:15:26
